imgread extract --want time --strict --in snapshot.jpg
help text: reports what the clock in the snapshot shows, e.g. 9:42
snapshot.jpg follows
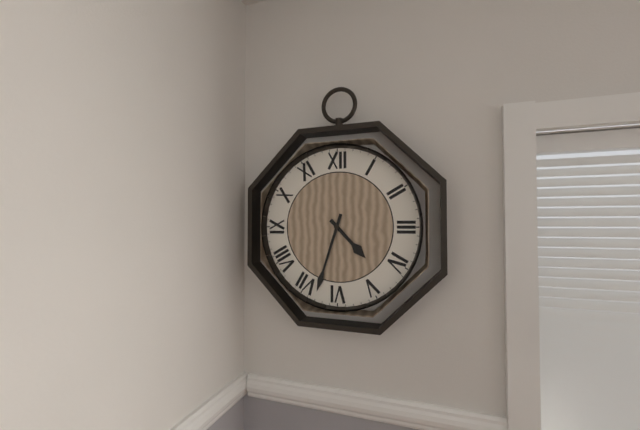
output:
4:33
